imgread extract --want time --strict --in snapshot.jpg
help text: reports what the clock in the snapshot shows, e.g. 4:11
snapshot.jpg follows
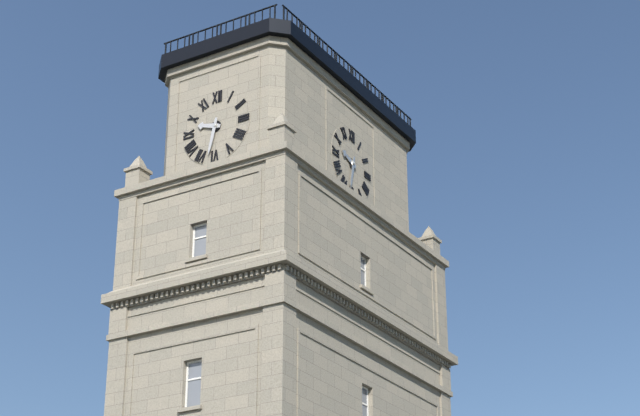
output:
9:32
